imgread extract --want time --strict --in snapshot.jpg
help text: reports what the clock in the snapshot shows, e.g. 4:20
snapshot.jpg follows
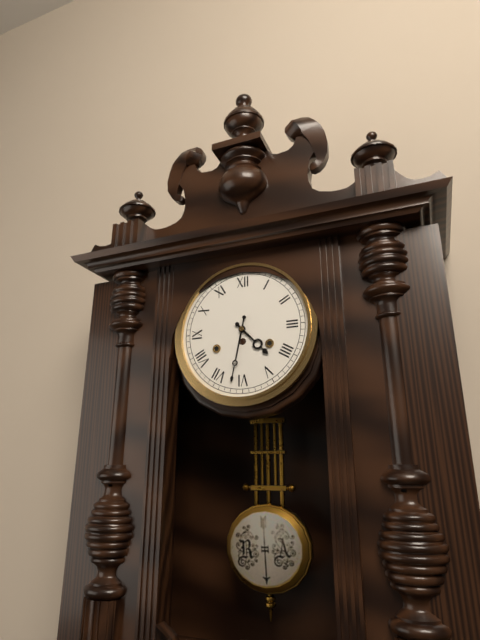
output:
4:32
